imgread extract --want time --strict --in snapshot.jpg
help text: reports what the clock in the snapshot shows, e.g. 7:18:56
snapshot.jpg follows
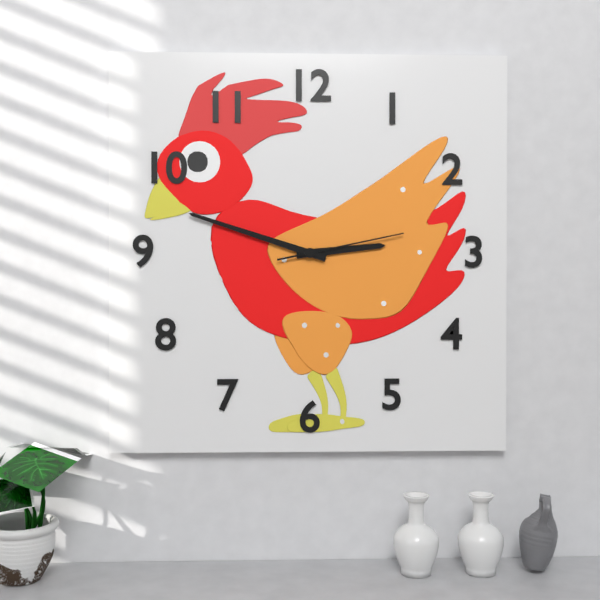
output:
2:48:13
